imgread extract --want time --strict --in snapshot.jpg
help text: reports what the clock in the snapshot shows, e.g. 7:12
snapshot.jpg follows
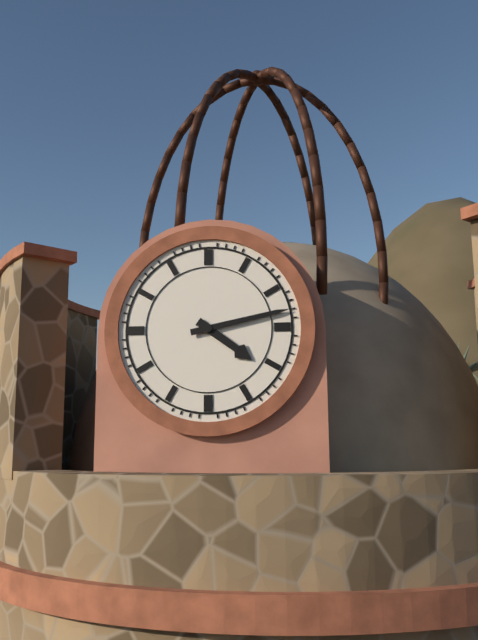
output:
4:13
